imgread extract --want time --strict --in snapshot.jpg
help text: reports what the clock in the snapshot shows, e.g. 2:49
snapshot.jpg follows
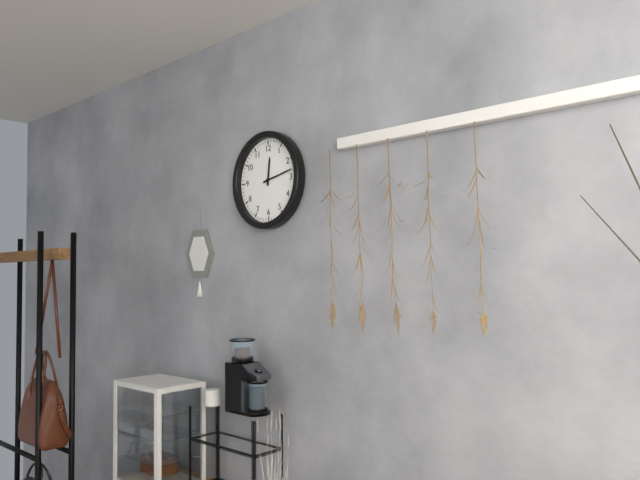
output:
12:13
